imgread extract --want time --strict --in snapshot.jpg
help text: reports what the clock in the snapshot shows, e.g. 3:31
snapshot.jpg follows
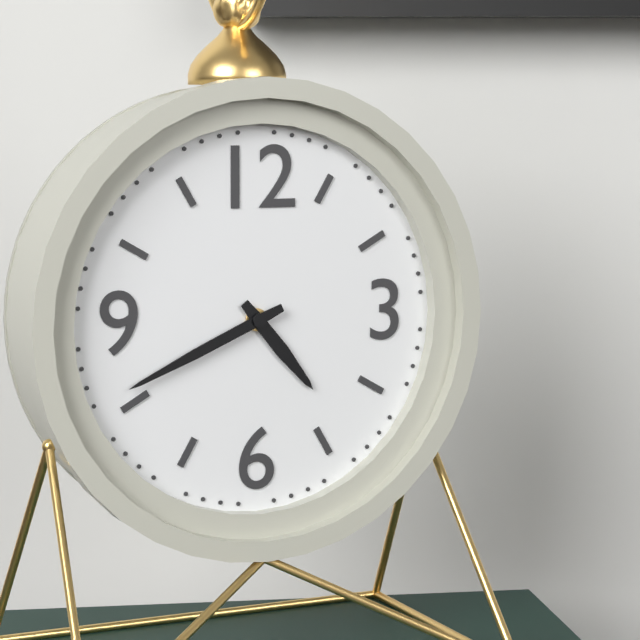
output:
4:41
